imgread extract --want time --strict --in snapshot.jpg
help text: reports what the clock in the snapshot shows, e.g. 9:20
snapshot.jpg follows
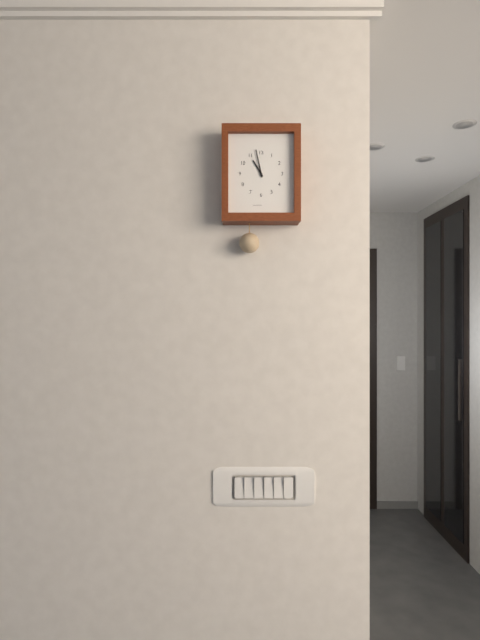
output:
10:58
